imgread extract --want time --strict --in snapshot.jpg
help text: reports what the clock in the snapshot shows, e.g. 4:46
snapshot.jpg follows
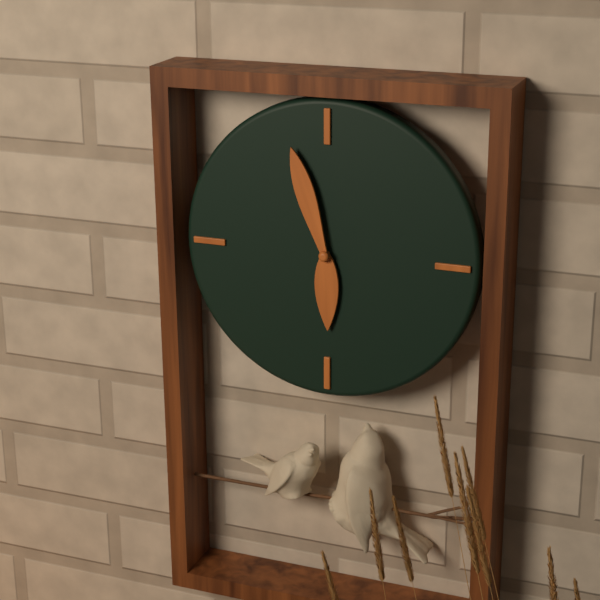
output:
5:57
